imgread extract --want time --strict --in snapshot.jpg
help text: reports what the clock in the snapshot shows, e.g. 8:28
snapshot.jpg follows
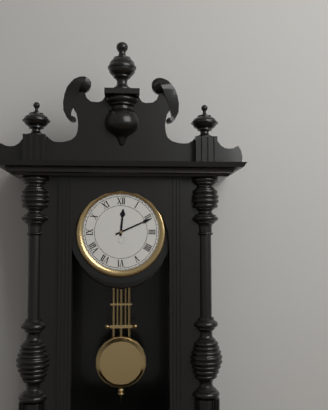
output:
12:11
